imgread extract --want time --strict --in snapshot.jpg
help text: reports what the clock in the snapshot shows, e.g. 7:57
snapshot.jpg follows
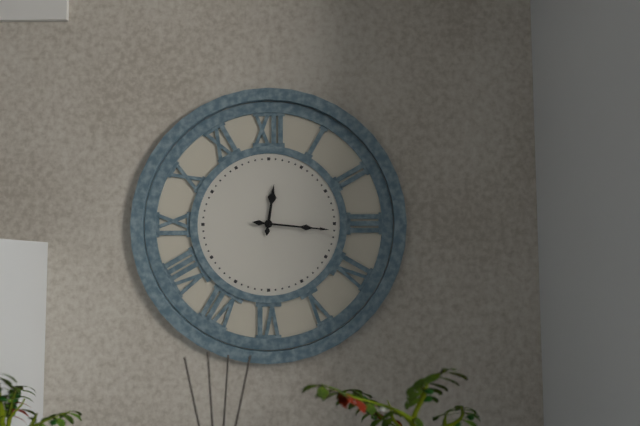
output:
12:16
